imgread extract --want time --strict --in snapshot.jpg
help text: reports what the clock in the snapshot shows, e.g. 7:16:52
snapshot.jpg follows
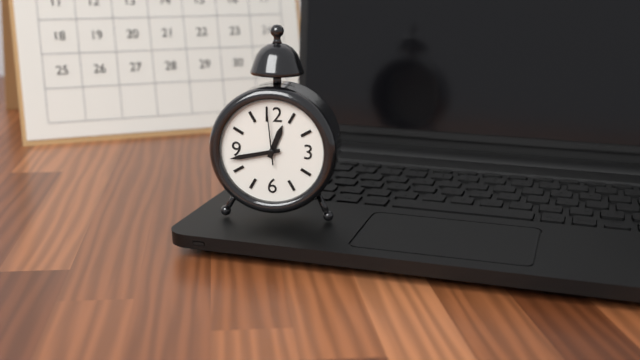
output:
12:43:59
